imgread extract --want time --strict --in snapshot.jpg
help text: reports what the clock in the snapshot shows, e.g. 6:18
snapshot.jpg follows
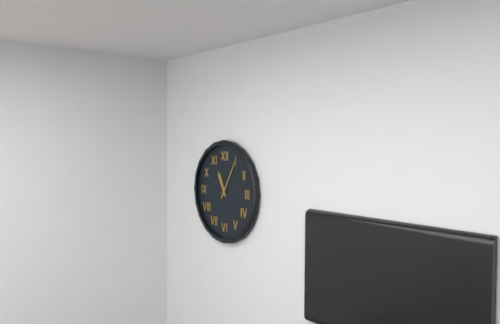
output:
11:05
